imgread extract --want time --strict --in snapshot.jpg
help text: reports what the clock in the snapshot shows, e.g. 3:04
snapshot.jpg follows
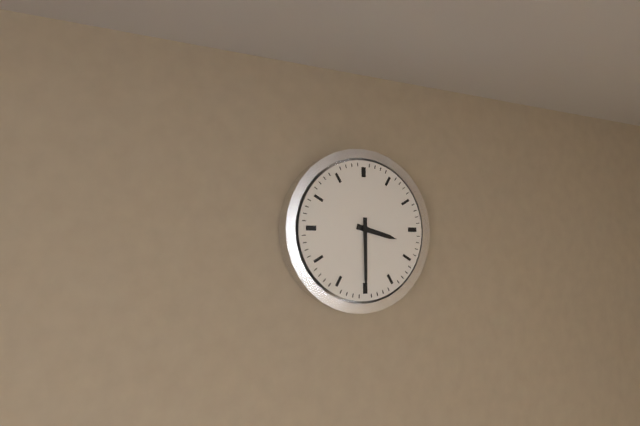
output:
3:30
